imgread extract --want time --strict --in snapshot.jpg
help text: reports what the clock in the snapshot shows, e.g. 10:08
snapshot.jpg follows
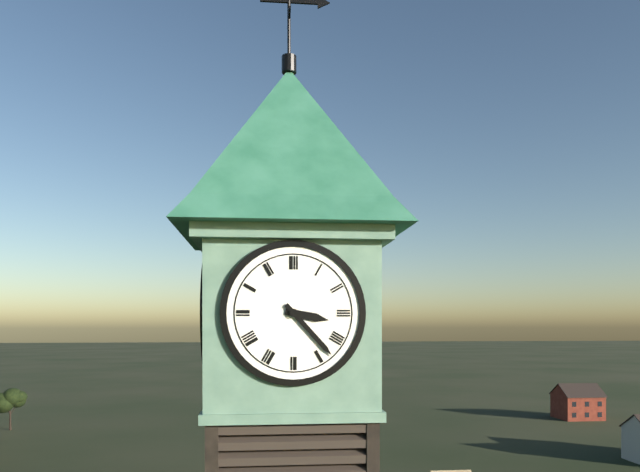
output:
3:23
